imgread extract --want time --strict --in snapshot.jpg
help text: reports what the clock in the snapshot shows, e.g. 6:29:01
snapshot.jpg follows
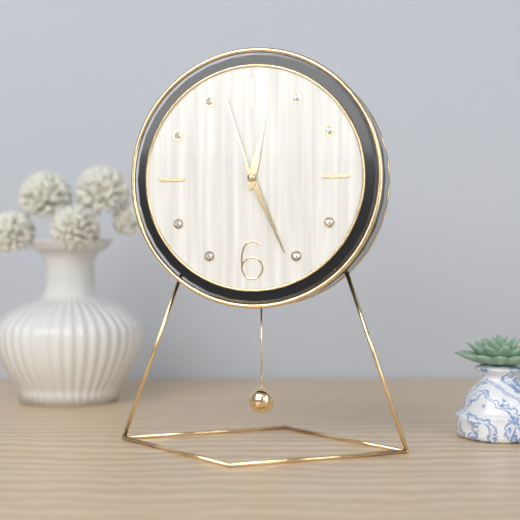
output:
12:26:57
